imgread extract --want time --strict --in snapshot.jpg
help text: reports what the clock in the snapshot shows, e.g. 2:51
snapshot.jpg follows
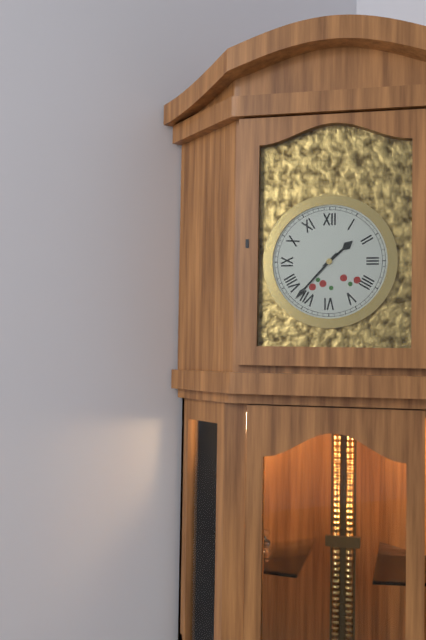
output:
1:37
